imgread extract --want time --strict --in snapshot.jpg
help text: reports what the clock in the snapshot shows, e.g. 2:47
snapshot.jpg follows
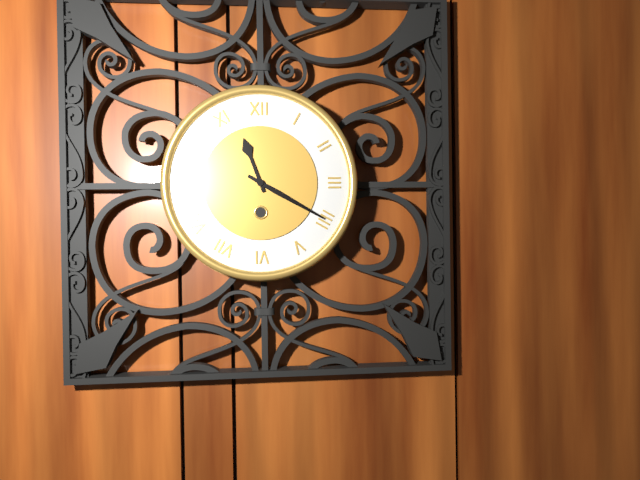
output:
11:20
